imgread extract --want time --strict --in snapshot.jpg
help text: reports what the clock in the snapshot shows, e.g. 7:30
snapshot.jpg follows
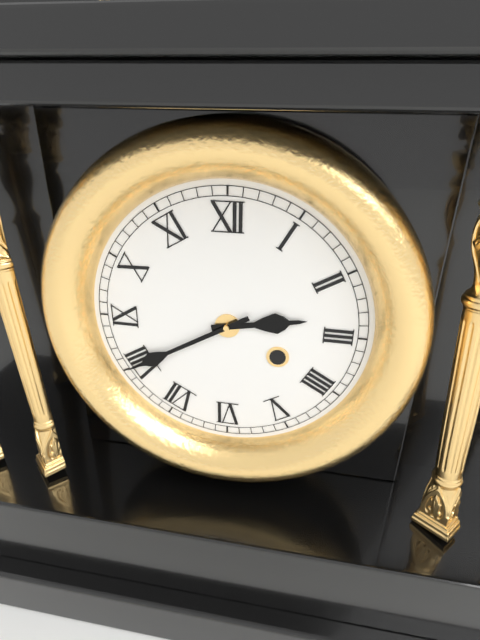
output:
2:40
